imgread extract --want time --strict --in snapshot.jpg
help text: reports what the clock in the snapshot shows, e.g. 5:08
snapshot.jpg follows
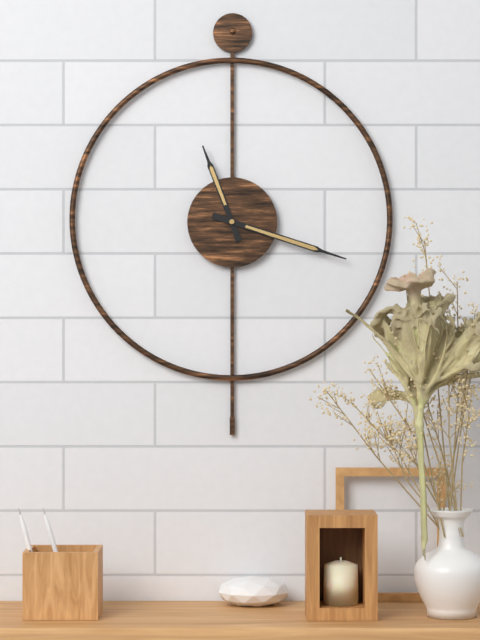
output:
11:18
